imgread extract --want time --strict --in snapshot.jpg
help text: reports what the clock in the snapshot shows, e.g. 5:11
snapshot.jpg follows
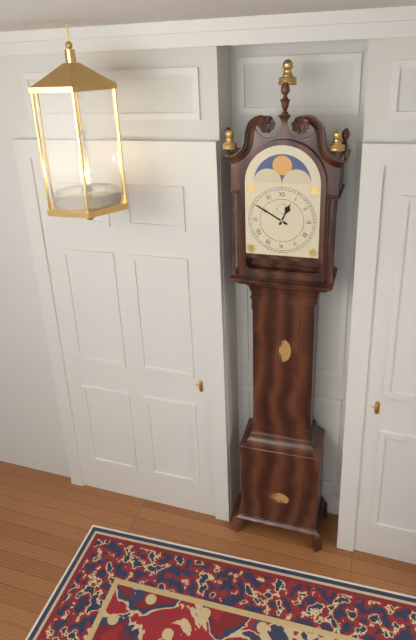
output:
12:50
